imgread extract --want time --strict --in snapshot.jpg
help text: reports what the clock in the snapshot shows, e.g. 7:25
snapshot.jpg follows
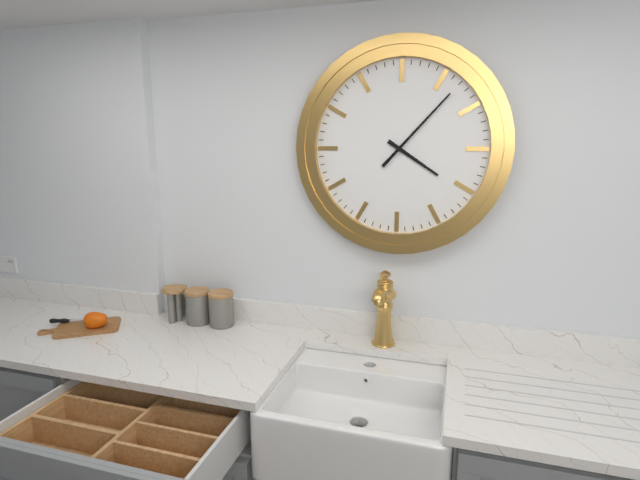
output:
4:07
